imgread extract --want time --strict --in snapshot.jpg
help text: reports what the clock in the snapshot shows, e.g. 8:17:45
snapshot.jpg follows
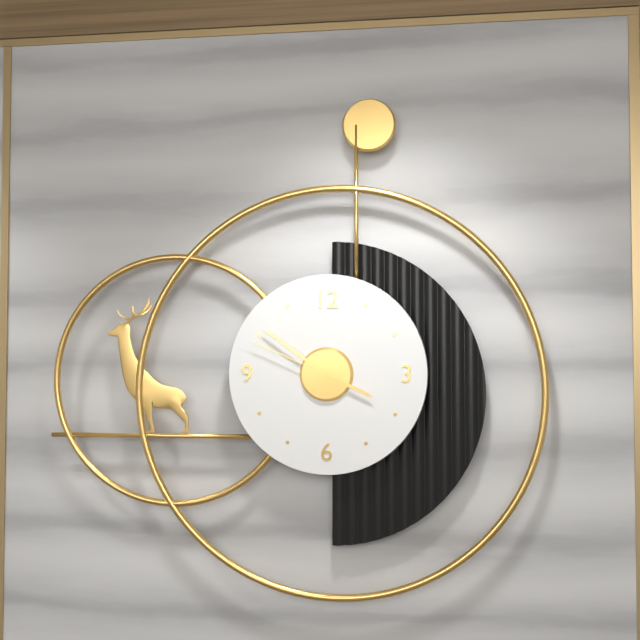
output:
3:51:49
